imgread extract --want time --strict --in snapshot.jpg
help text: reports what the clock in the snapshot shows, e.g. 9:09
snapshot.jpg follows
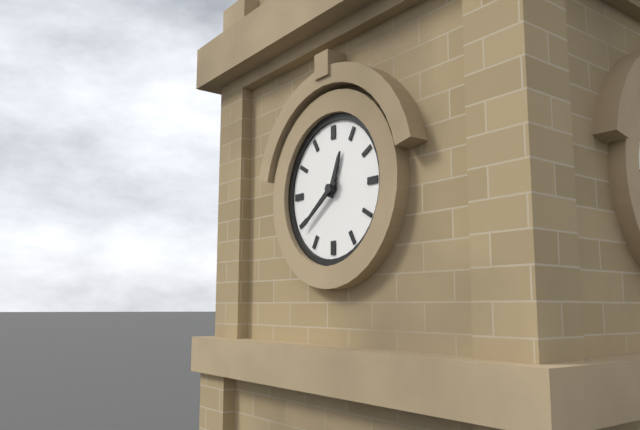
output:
12:39
